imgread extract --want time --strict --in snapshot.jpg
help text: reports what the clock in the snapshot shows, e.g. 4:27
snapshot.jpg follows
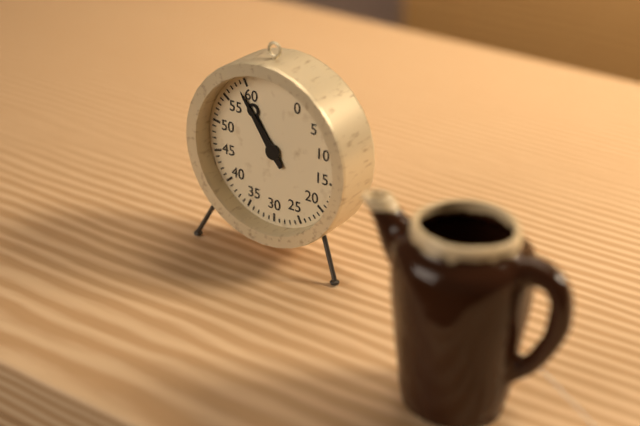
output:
10:54
